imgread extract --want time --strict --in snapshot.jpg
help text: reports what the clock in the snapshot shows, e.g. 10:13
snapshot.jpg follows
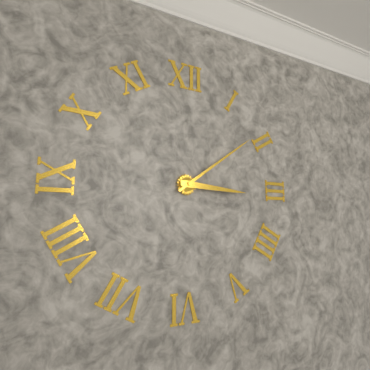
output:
3:09
